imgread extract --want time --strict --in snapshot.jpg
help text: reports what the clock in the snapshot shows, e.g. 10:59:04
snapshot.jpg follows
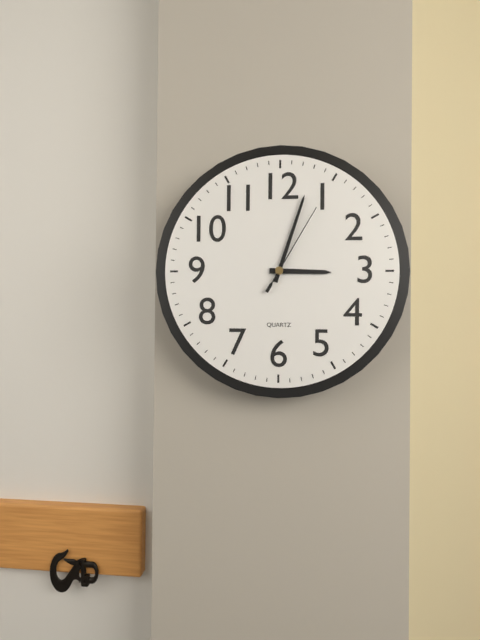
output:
3:03:05
